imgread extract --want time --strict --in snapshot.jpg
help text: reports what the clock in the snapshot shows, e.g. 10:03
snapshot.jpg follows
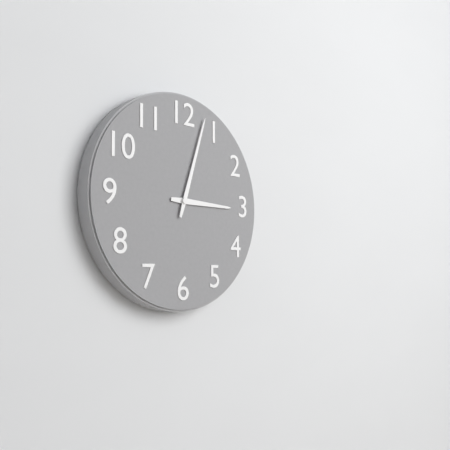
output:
3:03
